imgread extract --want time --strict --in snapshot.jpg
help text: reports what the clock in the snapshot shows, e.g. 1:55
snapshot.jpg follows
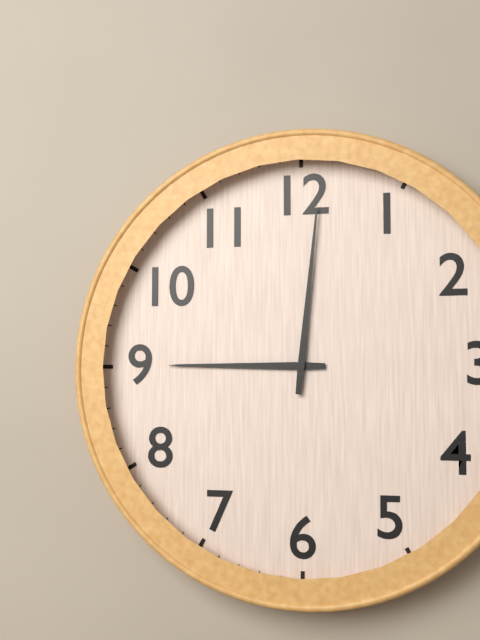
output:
9:01
